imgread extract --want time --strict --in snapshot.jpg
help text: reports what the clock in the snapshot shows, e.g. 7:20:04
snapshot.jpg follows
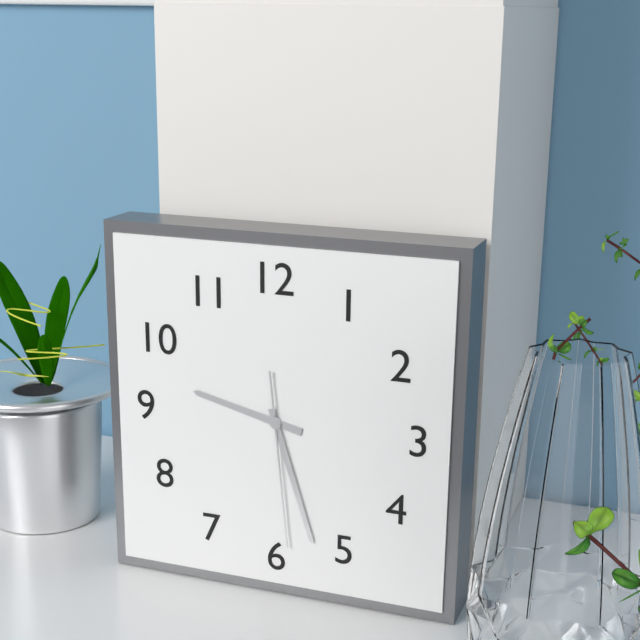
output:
9:27:29
